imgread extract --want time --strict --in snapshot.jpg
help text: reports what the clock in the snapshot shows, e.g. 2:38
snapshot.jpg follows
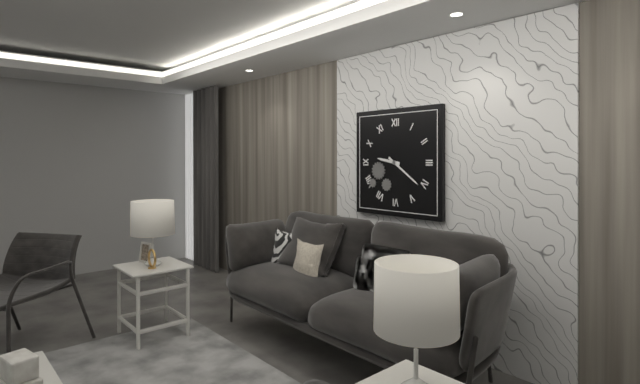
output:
9:21
